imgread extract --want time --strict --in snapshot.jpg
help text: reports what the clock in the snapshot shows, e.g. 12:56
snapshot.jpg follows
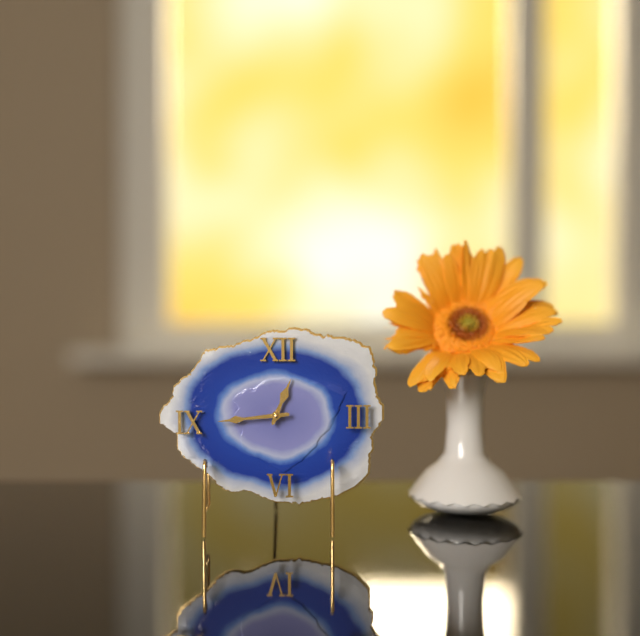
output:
12:44
